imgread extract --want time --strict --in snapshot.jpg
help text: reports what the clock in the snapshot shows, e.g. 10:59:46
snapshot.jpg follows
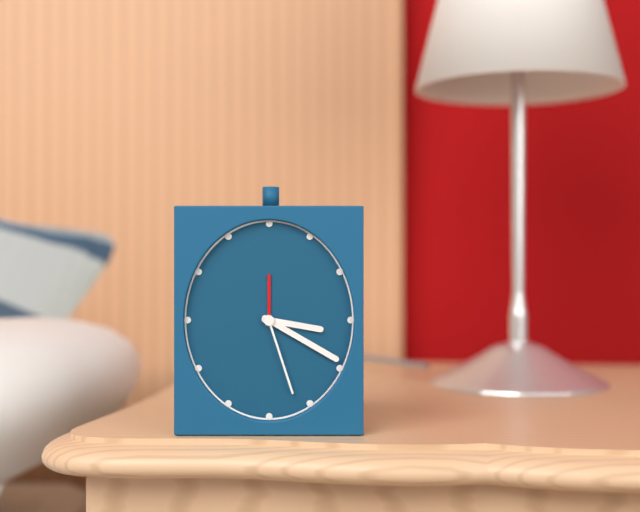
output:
3:20:27
